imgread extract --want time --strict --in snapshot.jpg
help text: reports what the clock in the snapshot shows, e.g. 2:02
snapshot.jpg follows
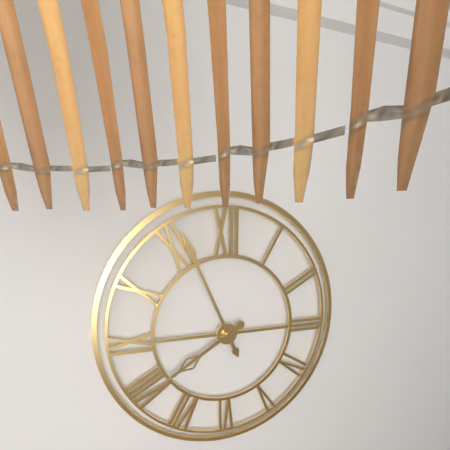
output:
7:56
